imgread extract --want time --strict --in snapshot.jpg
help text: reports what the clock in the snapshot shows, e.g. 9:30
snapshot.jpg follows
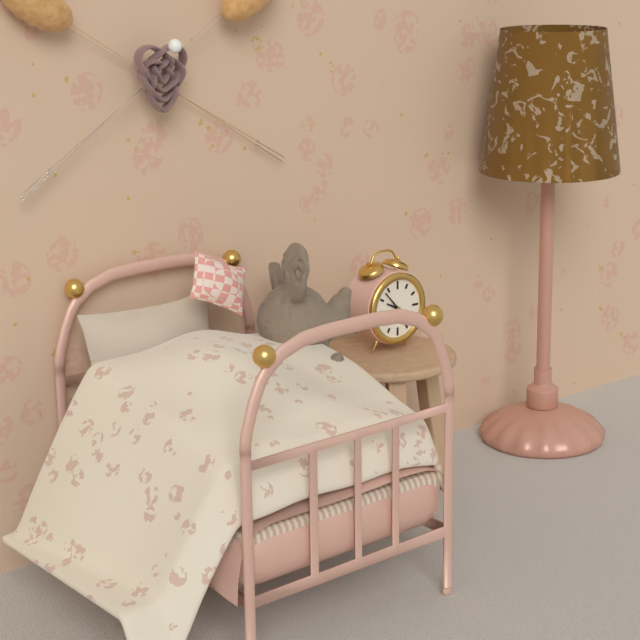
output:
9:53
